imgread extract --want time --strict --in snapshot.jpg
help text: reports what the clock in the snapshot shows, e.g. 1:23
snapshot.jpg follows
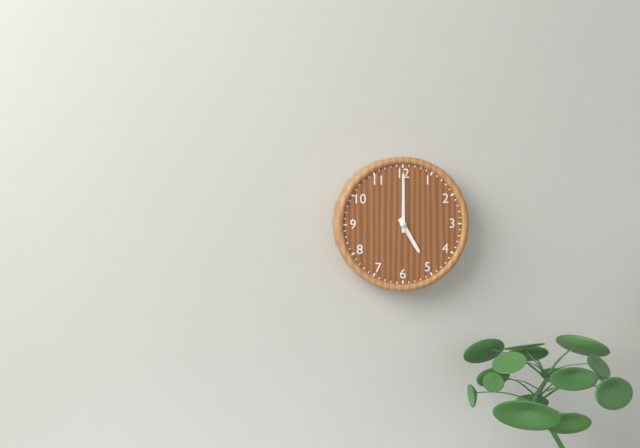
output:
5:00
